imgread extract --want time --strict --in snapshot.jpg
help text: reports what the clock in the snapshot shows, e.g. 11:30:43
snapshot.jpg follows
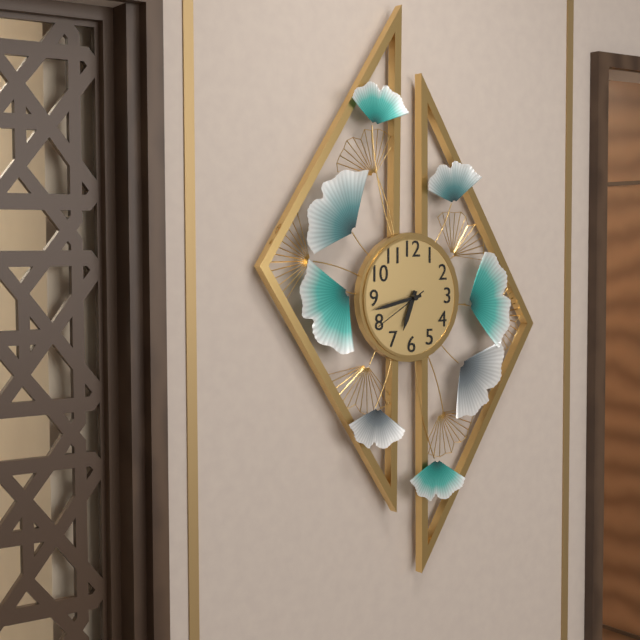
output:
6:43:40
